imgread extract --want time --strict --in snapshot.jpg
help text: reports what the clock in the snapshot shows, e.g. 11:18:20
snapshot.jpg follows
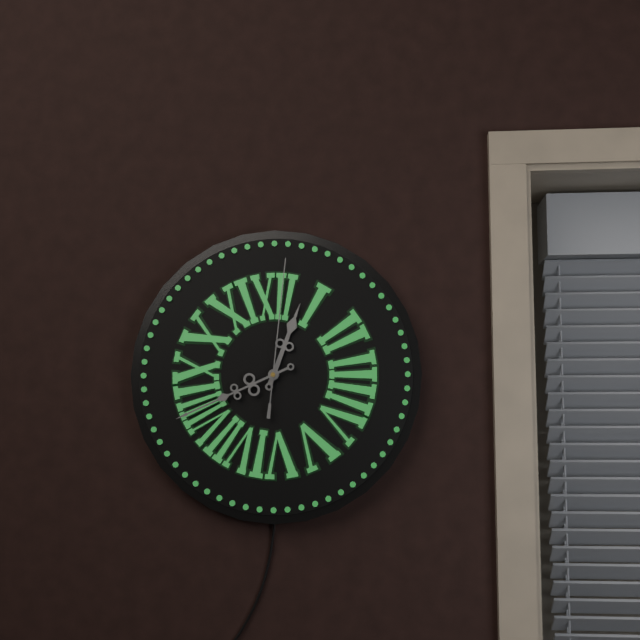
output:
12:41:01
